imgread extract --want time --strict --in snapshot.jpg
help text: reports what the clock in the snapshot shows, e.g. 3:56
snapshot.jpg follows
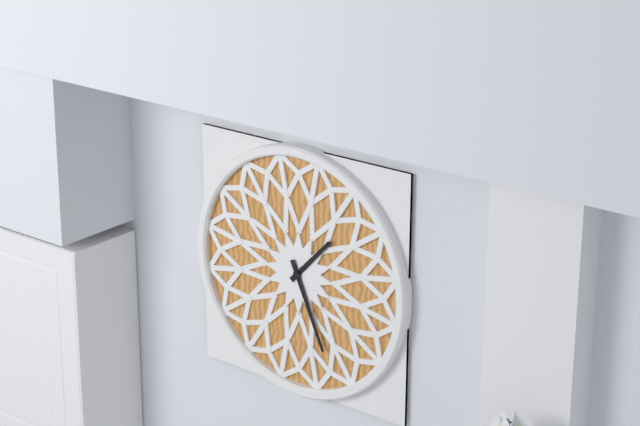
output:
1:26
